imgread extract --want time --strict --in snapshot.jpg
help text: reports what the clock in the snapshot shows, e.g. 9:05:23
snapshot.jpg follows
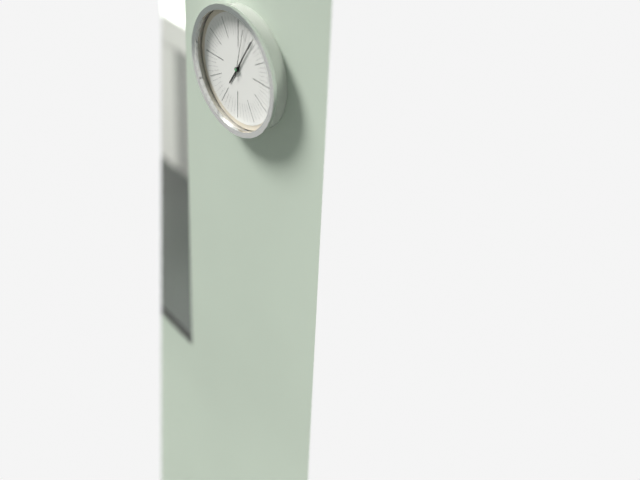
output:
7:05:02
